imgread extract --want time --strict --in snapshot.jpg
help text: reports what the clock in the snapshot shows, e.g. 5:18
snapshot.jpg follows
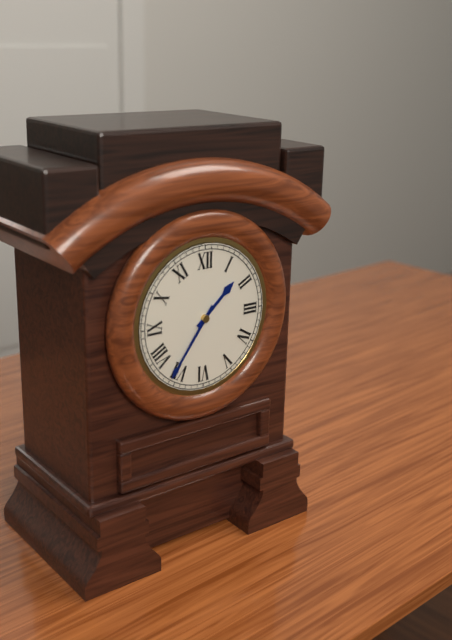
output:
1:36
